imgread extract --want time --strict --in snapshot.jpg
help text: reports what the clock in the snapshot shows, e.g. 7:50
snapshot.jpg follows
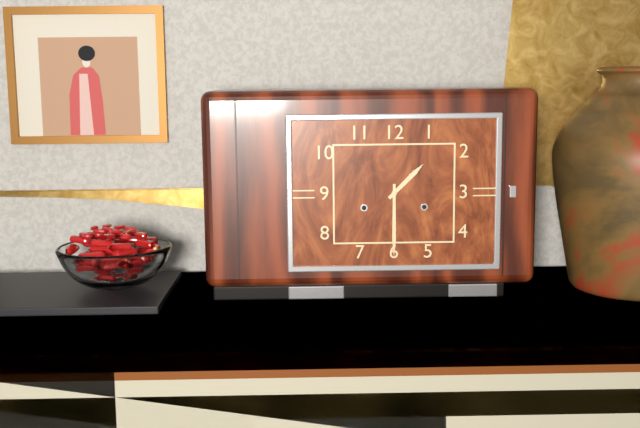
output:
1:30
